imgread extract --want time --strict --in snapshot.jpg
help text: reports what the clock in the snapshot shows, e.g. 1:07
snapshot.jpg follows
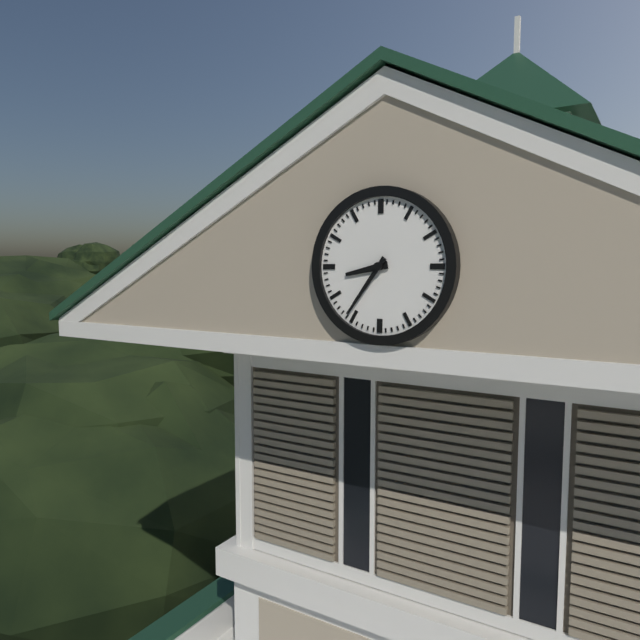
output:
8:36
